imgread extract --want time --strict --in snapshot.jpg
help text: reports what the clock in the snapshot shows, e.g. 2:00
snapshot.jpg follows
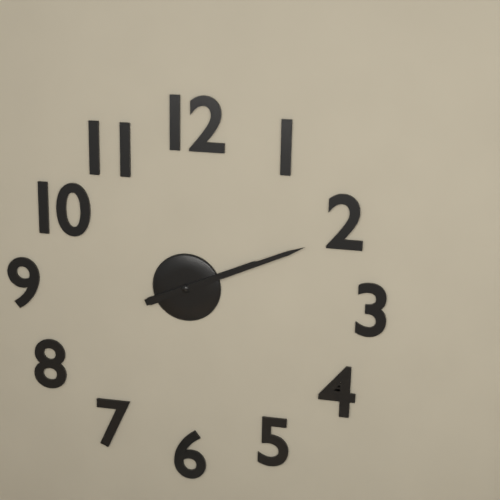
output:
2:11
